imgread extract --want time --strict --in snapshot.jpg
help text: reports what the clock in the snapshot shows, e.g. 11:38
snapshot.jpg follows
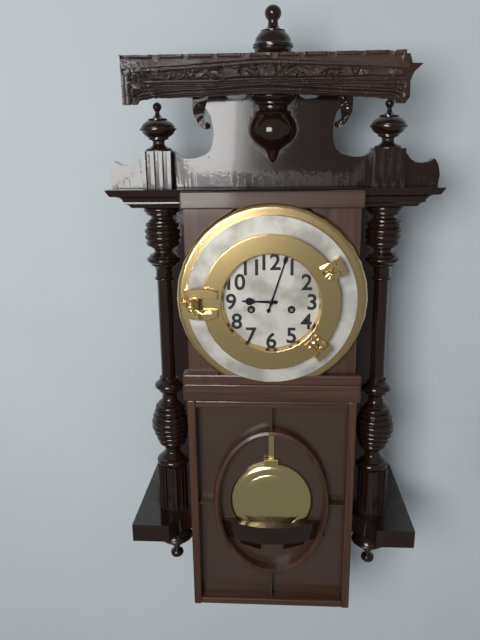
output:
9:03
